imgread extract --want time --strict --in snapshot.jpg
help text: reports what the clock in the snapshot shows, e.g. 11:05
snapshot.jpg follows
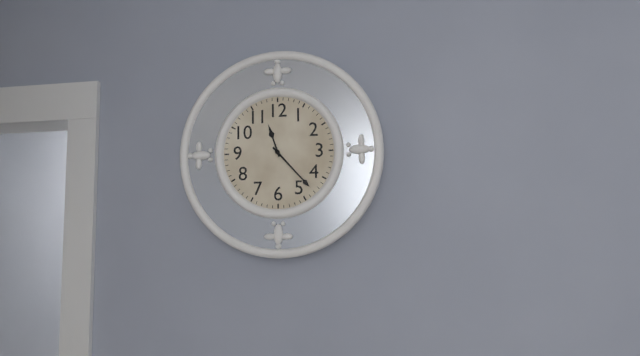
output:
11:23
